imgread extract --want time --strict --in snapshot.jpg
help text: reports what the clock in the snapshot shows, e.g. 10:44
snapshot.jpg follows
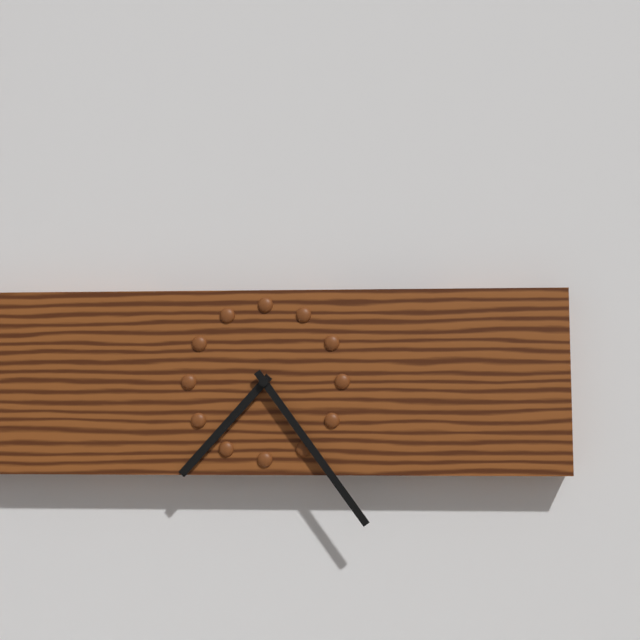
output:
7:24
